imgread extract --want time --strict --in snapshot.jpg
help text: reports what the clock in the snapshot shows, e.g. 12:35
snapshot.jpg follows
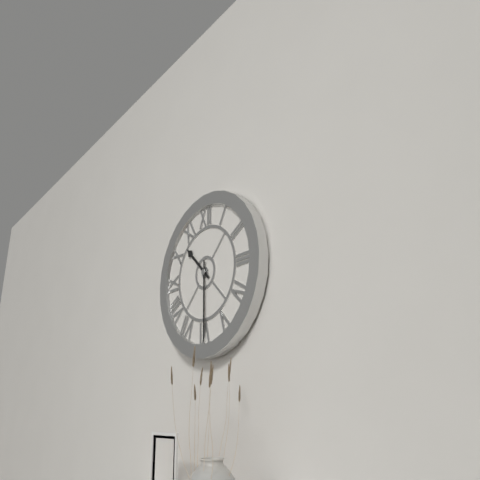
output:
10:30
